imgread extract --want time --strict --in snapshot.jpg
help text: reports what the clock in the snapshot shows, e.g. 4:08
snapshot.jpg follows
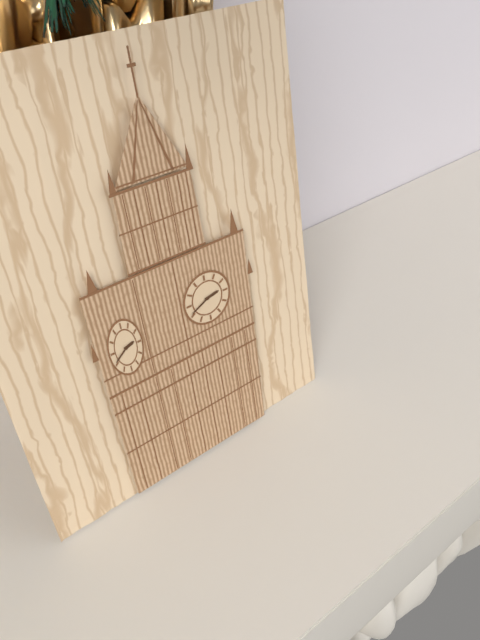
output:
2:41
